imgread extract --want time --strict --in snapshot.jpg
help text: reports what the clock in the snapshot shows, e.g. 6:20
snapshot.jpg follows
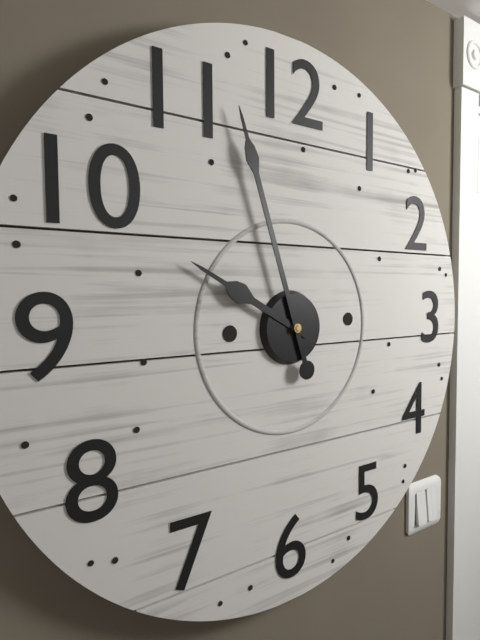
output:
9:57
